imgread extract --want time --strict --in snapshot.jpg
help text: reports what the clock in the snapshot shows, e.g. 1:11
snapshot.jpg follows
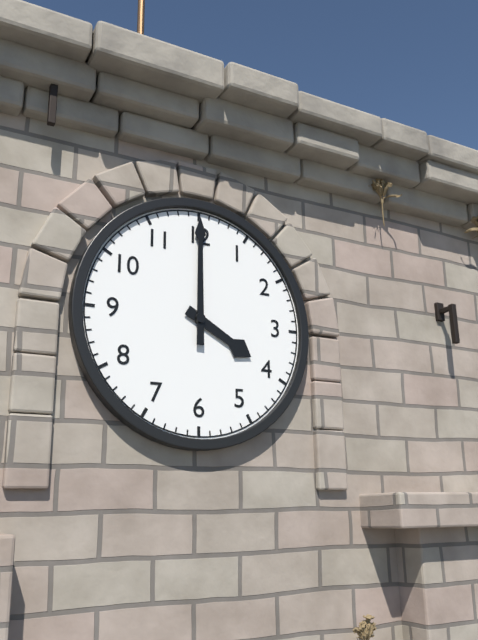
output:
4:00
